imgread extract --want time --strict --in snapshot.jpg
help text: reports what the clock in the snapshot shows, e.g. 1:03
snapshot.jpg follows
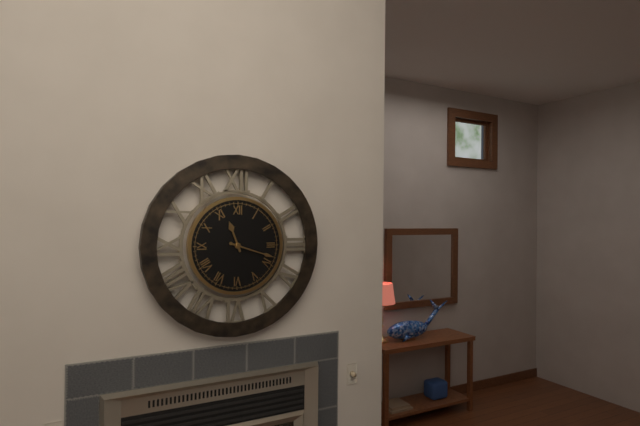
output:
11:18
